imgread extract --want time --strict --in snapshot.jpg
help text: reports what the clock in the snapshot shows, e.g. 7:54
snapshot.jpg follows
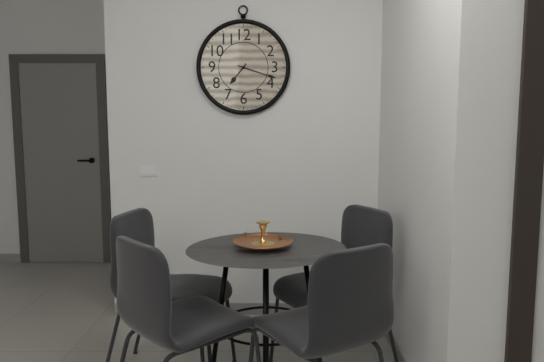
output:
7:18
